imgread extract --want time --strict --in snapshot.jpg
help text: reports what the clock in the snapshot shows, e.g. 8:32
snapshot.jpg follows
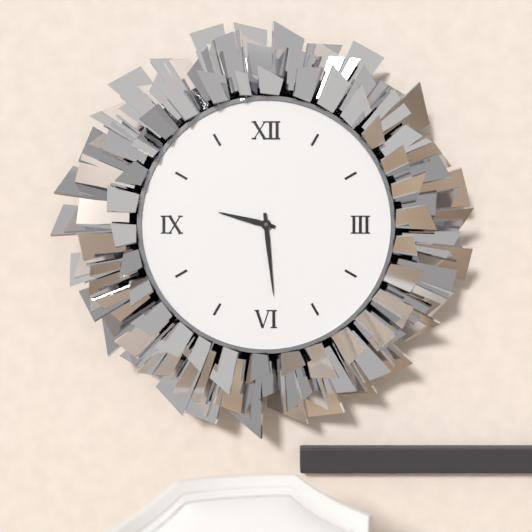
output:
9:29
